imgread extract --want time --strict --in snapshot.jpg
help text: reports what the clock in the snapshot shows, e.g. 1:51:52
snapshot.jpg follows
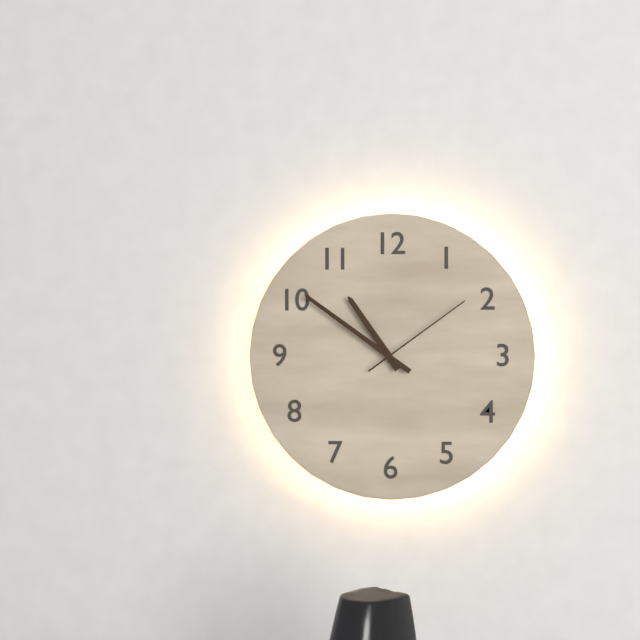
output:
10:51:09
